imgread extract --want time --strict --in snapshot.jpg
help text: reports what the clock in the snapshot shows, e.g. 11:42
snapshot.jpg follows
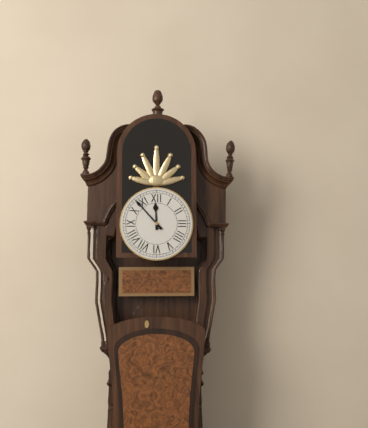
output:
11:53
